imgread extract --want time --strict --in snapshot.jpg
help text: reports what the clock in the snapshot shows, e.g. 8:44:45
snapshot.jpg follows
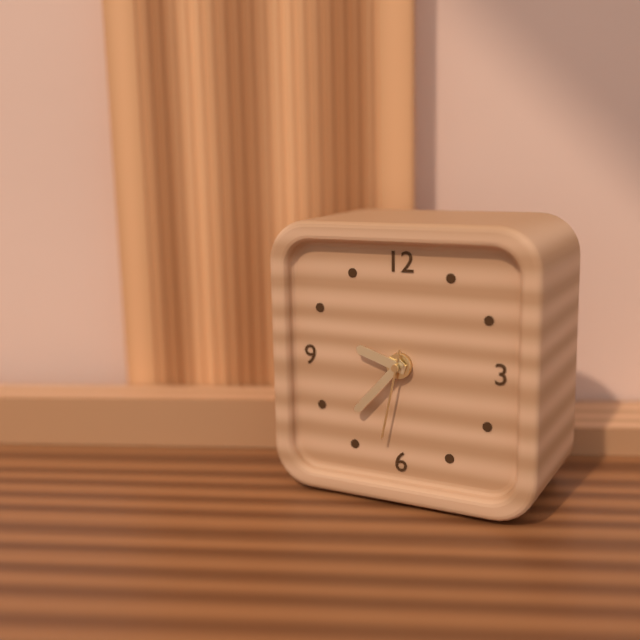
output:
9:37:32
